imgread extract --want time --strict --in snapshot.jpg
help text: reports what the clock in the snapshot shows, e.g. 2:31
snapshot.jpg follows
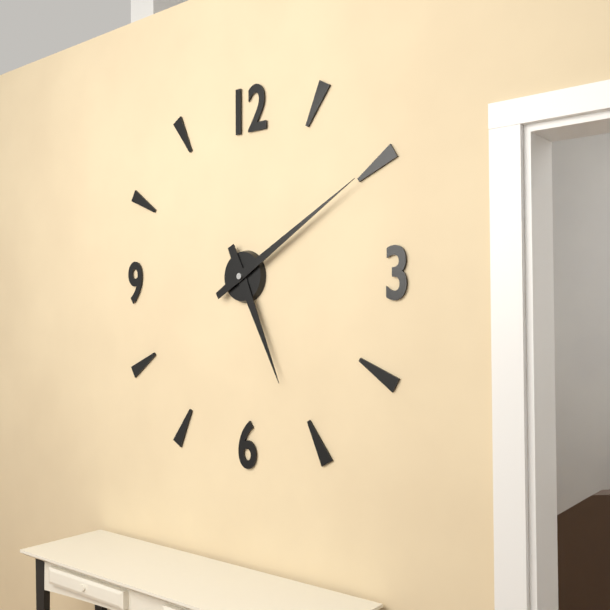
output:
5:10
